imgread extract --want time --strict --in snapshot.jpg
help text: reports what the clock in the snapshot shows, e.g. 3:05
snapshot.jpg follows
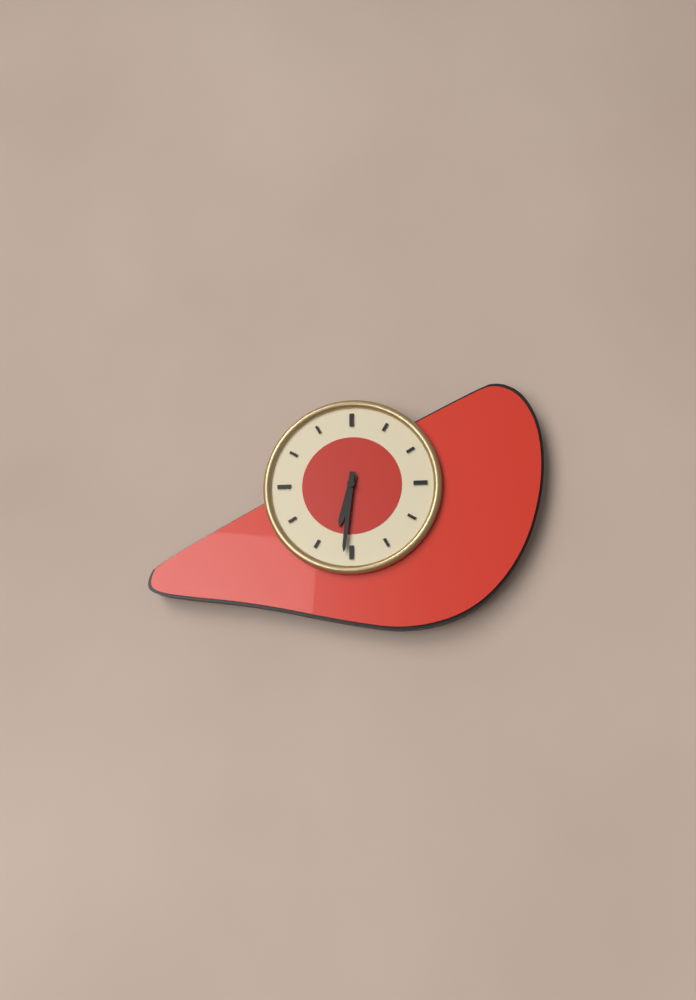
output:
6:31
